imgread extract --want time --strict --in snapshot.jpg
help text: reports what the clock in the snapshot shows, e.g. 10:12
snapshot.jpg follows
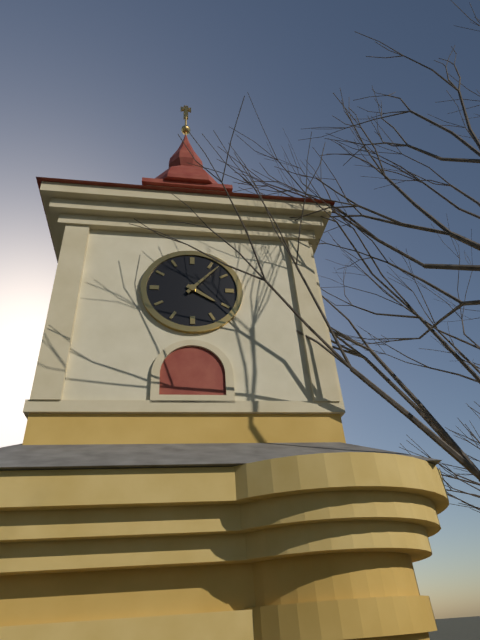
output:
4:07
